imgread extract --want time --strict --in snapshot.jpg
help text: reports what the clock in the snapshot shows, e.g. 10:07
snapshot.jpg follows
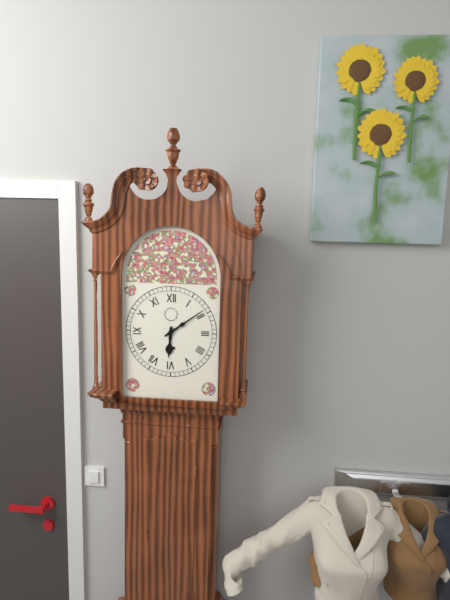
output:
6:09
